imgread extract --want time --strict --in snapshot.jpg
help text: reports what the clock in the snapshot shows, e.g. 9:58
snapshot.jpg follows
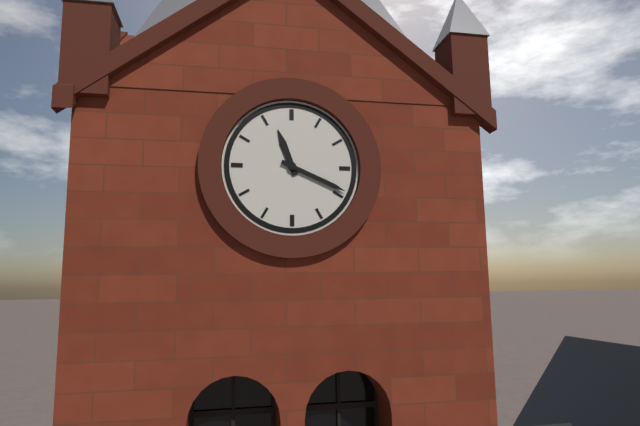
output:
11:19
